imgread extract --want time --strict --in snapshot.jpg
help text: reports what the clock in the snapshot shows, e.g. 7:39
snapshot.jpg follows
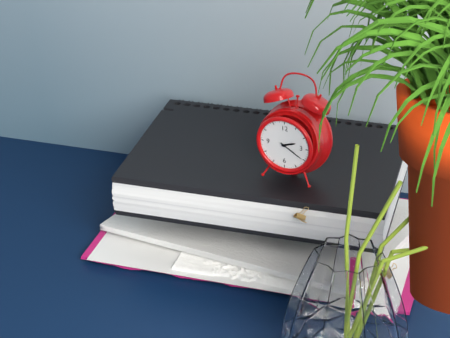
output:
2:20
